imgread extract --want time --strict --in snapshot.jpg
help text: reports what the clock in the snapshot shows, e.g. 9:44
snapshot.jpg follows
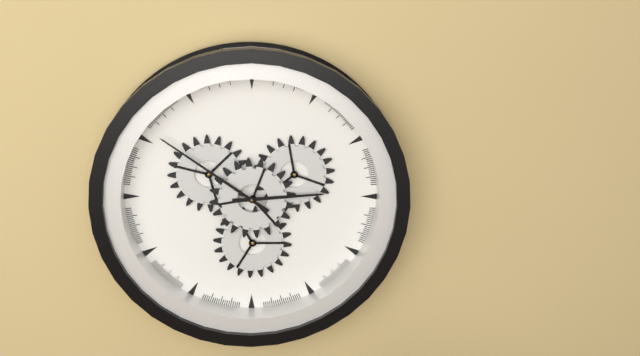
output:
2:51
